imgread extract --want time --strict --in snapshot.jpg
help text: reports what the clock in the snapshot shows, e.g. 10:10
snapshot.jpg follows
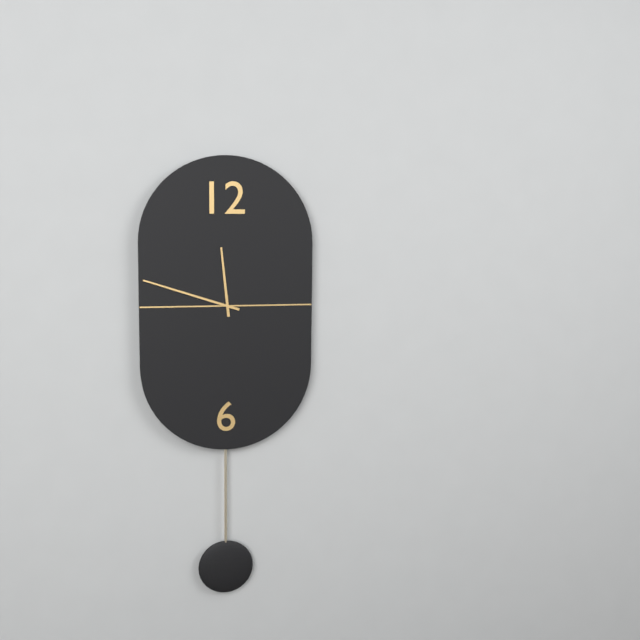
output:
11:48
